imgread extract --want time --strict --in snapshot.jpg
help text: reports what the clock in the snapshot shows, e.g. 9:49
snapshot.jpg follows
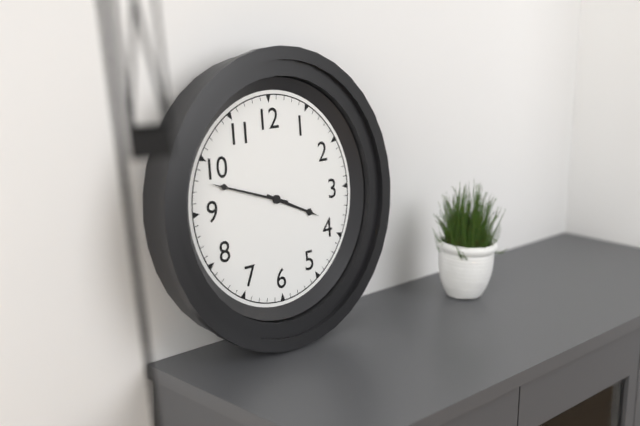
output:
3:48
